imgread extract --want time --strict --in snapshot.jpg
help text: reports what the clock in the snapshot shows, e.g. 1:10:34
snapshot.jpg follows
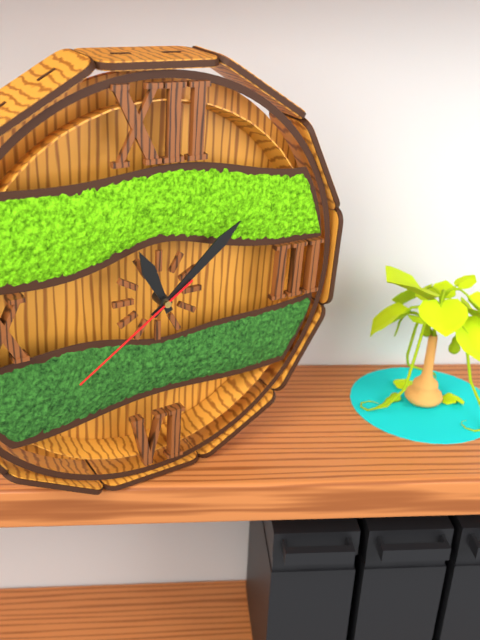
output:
11:08:39
